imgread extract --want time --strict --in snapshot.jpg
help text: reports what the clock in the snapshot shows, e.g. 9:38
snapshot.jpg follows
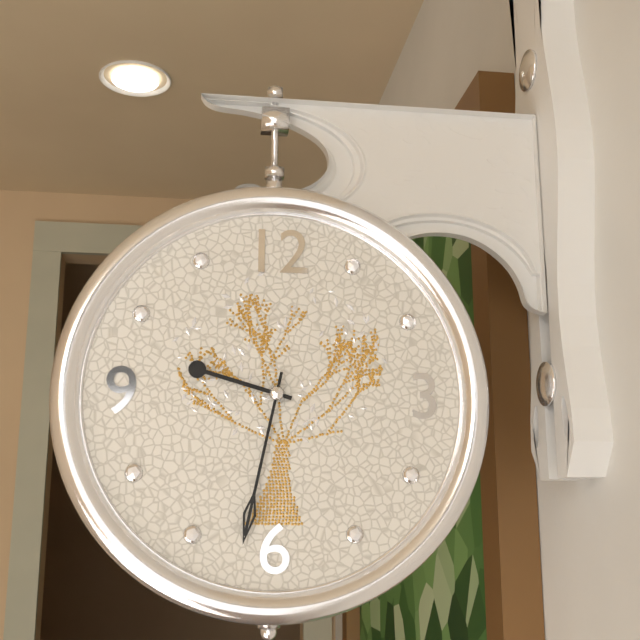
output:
9:32
